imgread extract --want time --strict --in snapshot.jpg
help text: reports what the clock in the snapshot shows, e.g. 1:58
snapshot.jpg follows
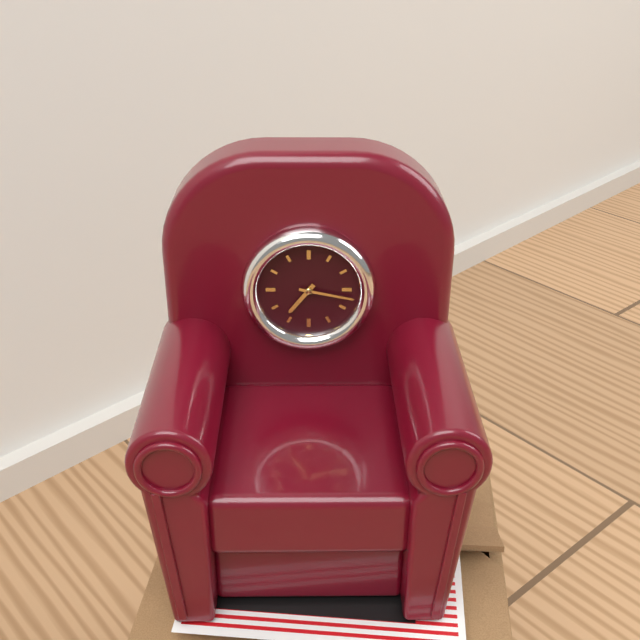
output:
7:17
